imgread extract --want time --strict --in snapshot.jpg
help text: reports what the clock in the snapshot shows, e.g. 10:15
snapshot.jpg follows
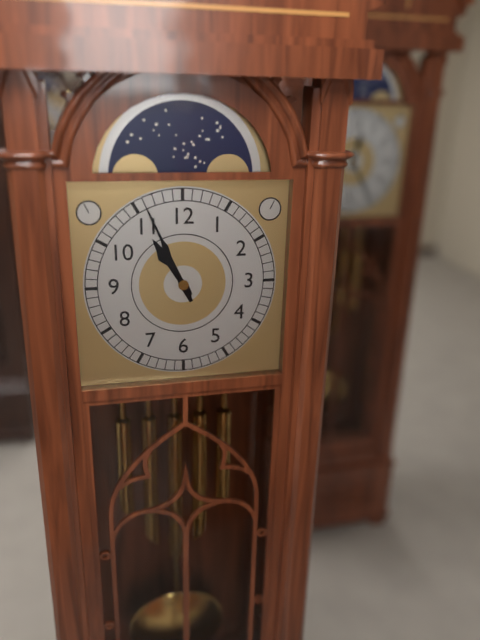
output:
10:56
